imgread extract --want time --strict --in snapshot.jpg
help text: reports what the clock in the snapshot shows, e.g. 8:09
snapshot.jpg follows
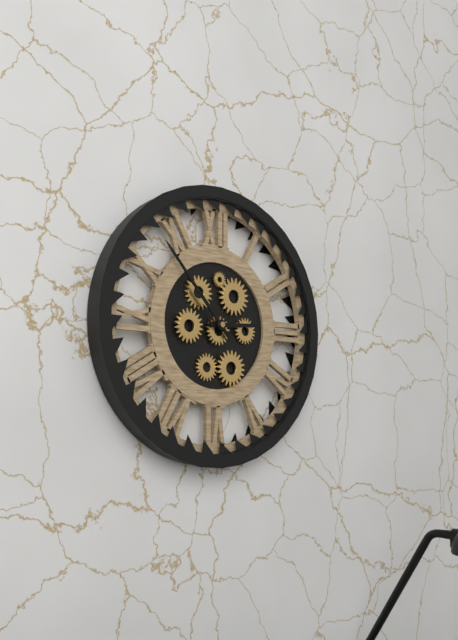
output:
2:53
